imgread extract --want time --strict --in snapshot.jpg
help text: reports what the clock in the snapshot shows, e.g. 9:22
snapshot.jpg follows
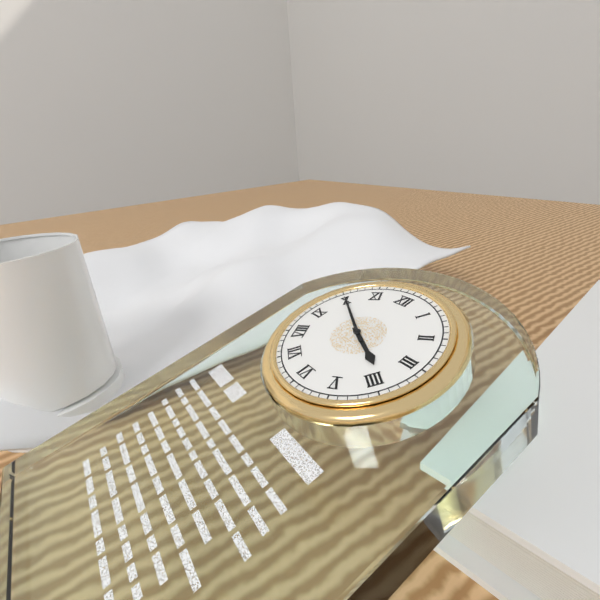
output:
3:50
